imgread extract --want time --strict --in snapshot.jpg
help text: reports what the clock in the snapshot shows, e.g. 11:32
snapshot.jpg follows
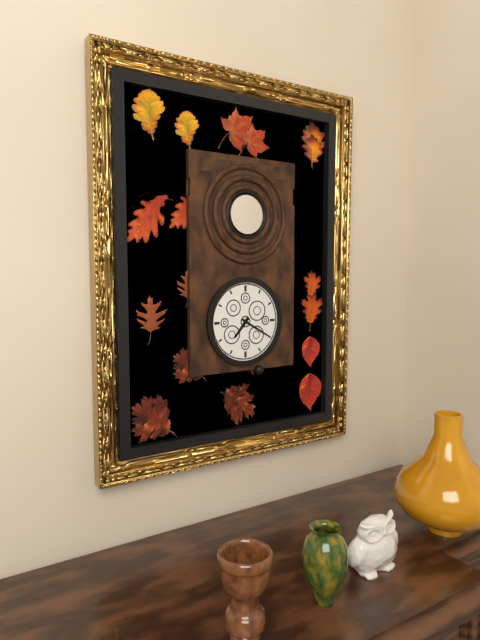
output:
7:20
